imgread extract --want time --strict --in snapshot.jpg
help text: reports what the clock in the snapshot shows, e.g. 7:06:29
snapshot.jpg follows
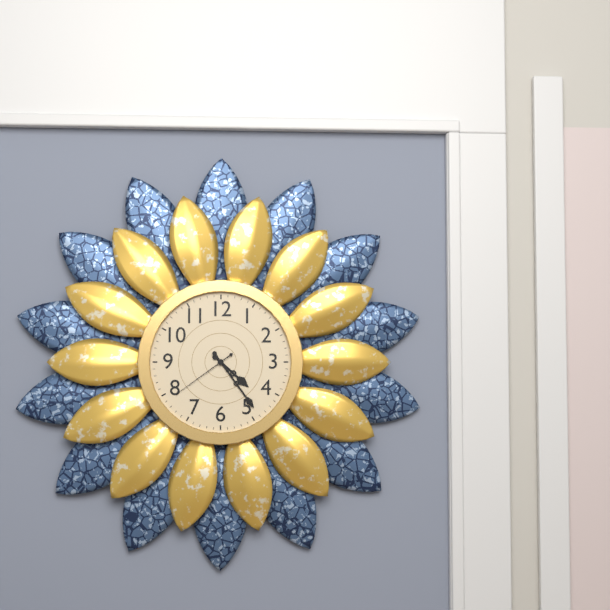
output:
4:24:39
